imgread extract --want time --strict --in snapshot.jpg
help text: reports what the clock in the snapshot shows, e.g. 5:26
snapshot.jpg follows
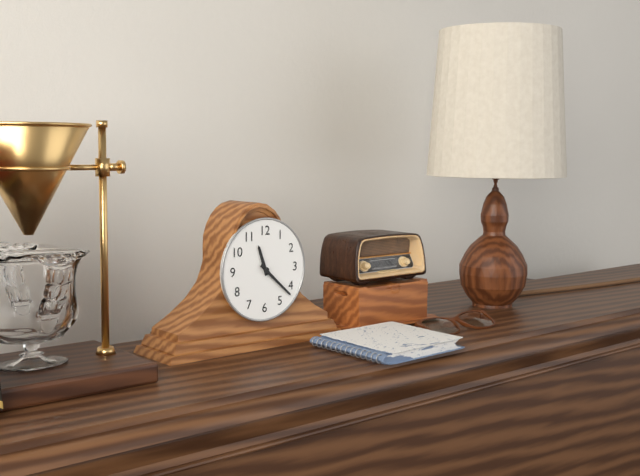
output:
11:22
